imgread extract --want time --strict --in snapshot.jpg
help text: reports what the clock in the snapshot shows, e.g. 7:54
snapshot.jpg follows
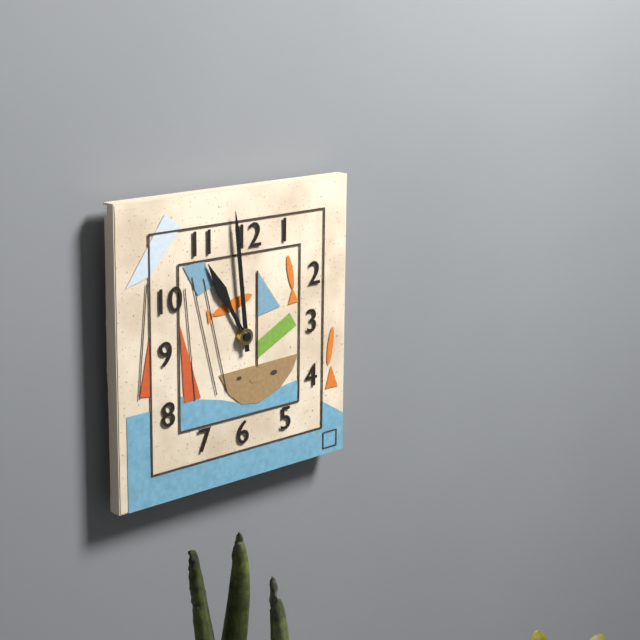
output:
10:59
